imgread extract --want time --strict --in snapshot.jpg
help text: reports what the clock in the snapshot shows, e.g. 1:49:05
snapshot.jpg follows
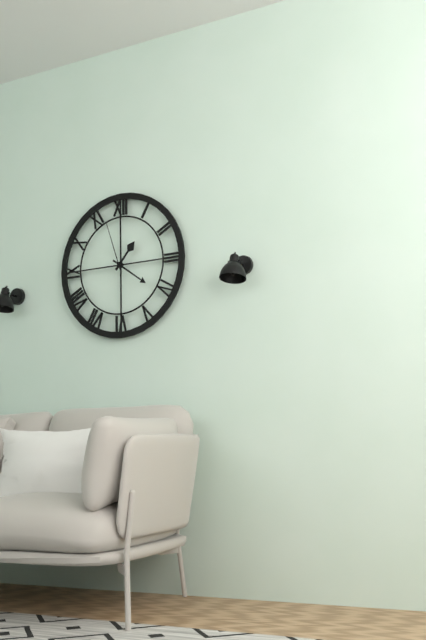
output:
1:21:57
